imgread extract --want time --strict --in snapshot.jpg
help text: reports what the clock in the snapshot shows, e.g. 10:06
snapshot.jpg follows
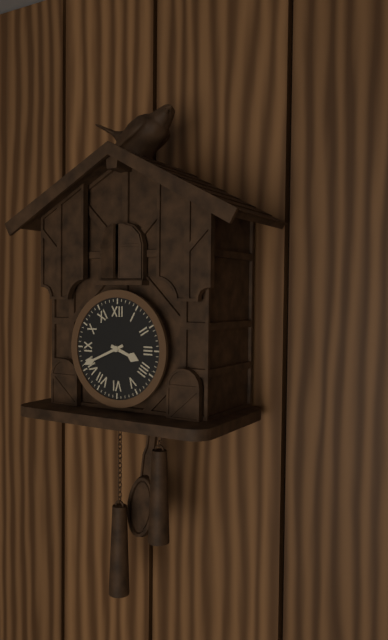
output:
3:41
